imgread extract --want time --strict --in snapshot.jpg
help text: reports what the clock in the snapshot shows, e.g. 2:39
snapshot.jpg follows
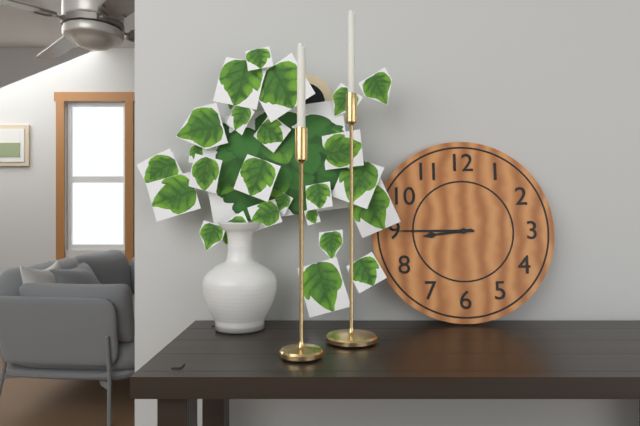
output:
8:45
